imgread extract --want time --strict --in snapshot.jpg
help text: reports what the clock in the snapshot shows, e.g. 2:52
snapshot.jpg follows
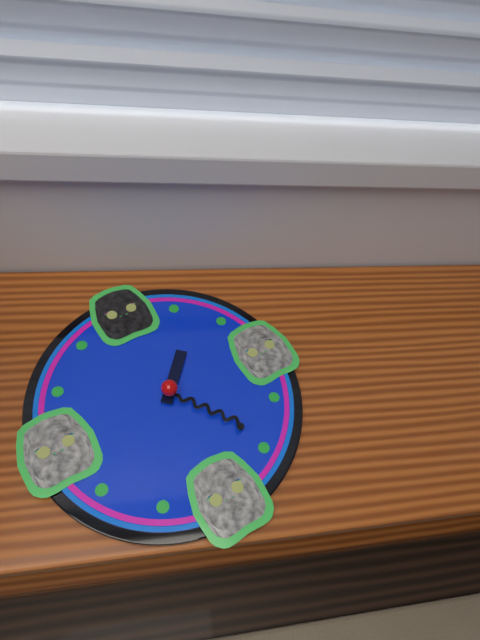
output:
1:24
